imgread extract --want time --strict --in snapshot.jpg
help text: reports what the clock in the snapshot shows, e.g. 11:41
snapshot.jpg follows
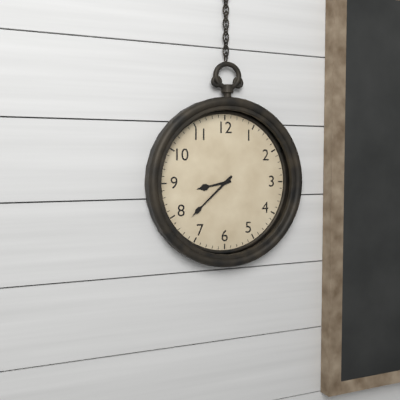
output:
8:38
